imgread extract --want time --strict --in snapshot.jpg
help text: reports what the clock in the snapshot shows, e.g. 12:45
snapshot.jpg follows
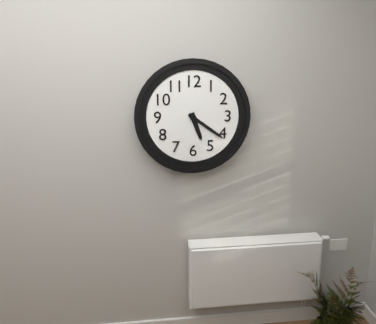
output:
5:21
